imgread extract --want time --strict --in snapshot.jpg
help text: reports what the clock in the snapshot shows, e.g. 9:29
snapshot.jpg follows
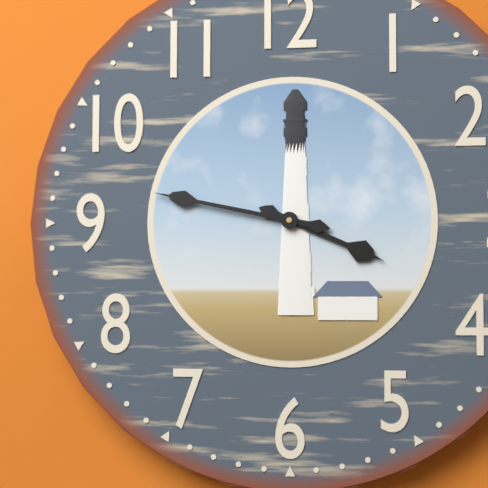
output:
3:47
